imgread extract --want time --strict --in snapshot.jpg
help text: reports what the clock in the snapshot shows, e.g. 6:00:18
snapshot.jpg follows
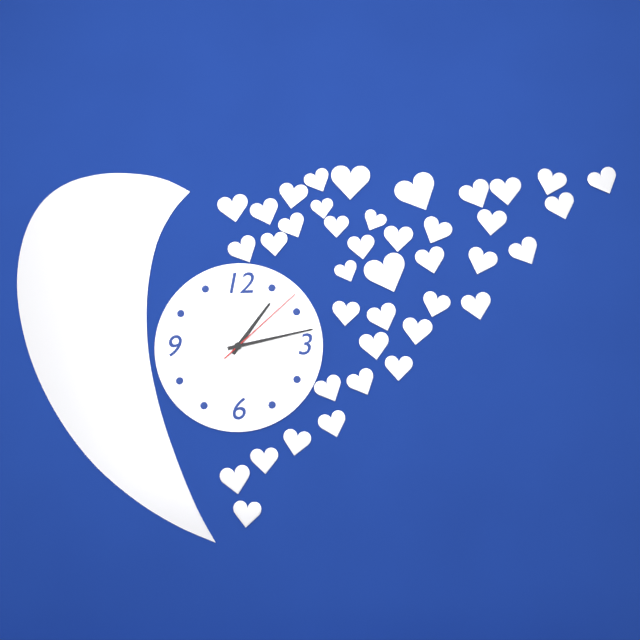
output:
1:13:08
